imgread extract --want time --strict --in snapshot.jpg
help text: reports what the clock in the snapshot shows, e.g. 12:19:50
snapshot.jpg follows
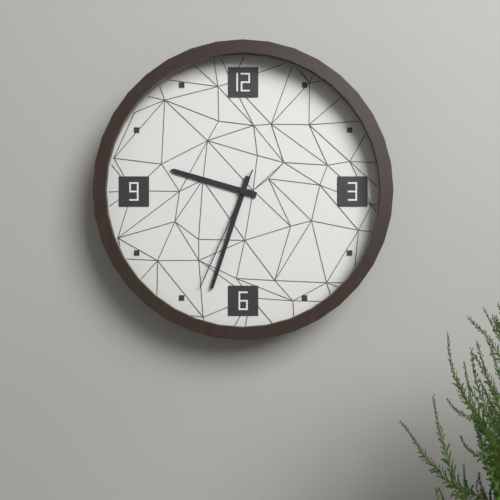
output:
9:33:34
